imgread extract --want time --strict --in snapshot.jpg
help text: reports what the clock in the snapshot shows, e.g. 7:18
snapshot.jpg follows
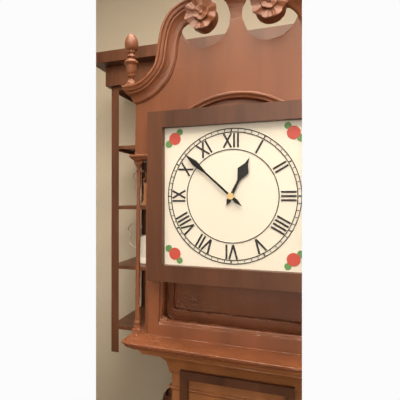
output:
12:52
